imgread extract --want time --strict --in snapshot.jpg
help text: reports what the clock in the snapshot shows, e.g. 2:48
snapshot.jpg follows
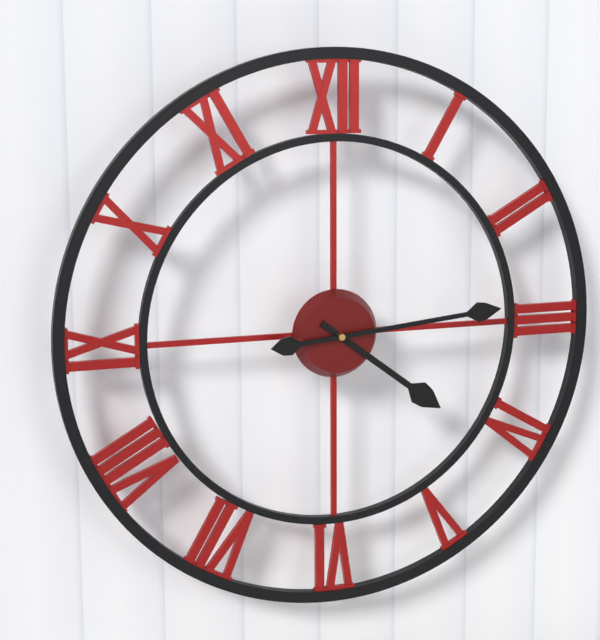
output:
4:14
